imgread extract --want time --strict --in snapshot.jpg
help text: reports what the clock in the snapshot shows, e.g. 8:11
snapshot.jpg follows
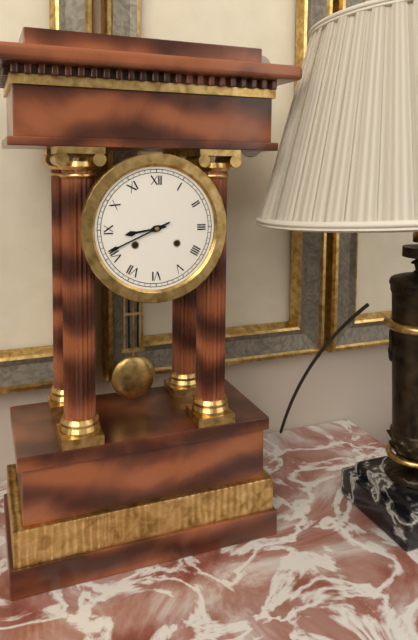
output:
8:41
